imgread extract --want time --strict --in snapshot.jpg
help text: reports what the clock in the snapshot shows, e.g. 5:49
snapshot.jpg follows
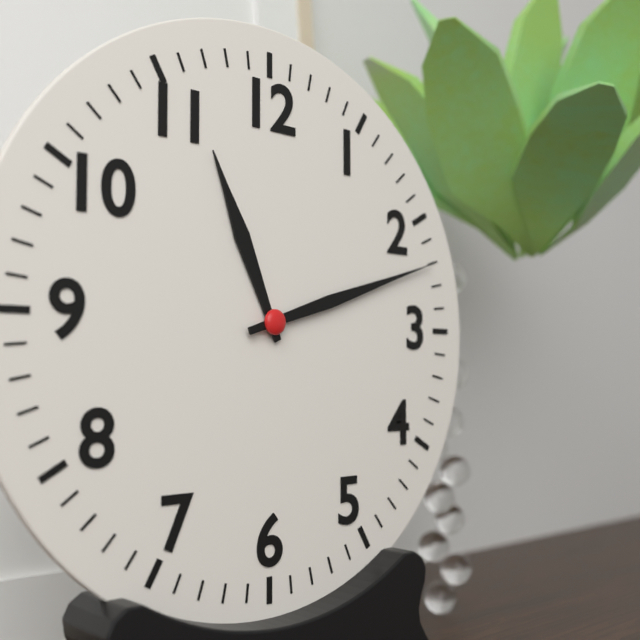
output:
11:12
